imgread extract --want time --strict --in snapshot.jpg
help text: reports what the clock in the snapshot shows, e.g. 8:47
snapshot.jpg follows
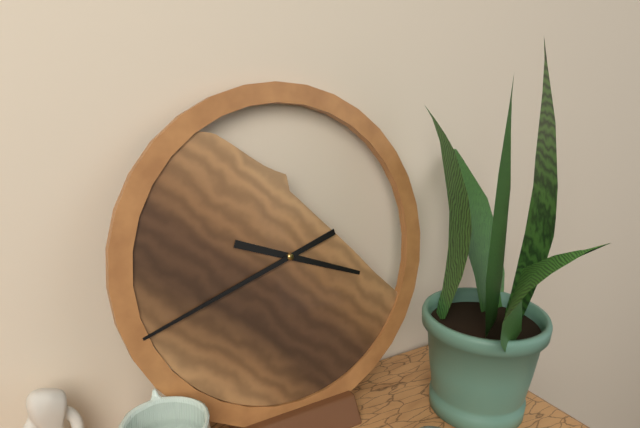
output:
3:42
